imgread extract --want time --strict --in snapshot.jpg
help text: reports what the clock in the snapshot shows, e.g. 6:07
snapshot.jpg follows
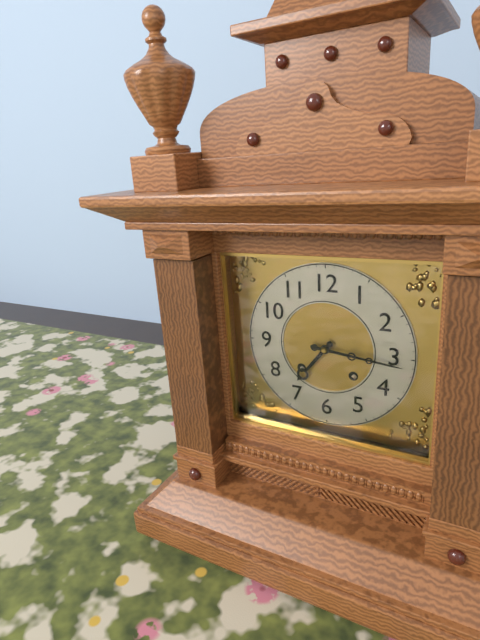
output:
7:16
